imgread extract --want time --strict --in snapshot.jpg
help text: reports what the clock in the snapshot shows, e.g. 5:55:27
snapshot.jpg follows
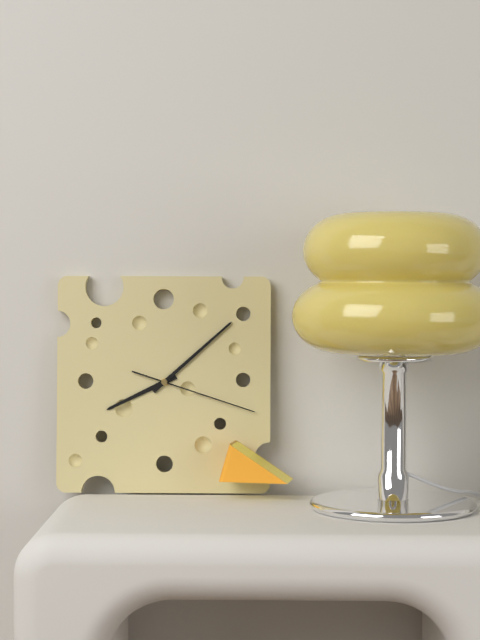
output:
8:08:18
